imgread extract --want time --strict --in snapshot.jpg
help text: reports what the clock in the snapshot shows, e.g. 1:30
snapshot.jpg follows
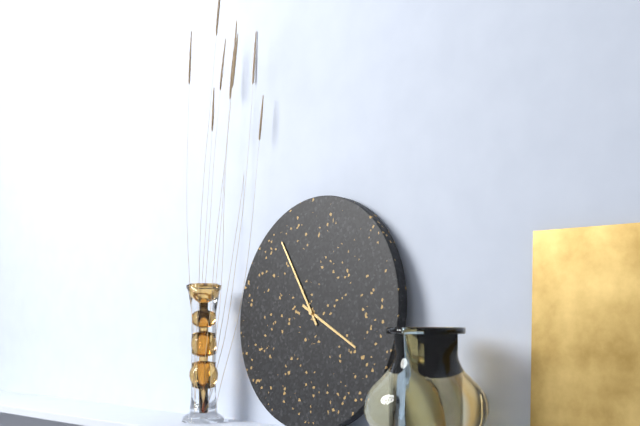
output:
3:54
